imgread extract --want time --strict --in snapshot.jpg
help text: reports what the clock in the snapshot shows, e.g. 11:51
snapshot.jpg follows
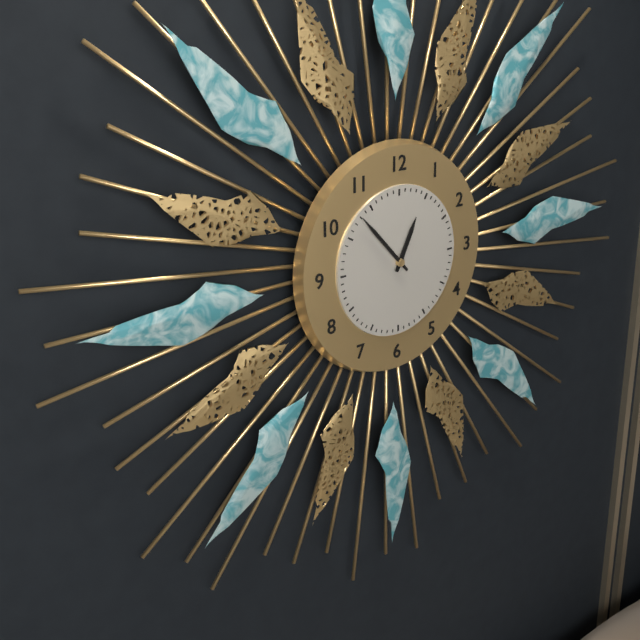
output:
12:53
